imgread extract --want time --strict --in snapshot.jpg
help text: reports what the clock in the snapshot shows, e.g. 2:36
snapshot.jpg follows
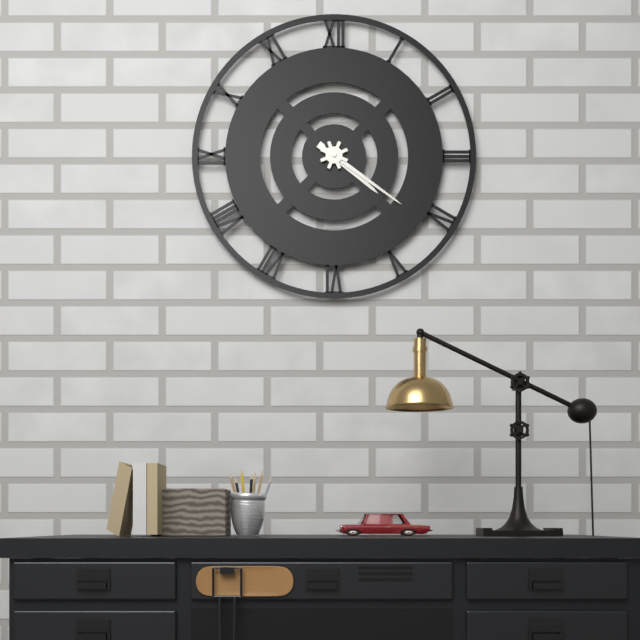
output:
4:21
